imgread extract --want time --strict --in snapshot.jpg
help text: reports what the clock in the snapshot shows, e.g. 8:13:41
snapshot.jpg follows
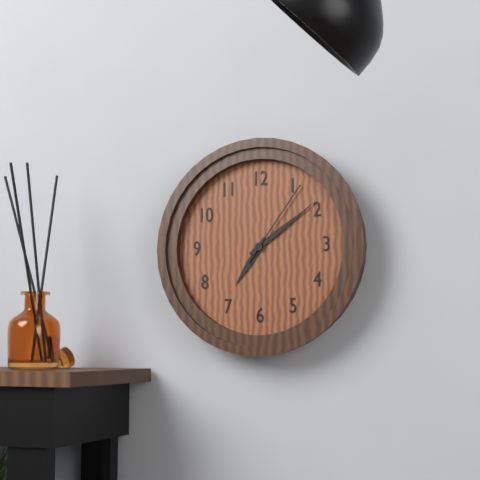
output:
7:09:06
